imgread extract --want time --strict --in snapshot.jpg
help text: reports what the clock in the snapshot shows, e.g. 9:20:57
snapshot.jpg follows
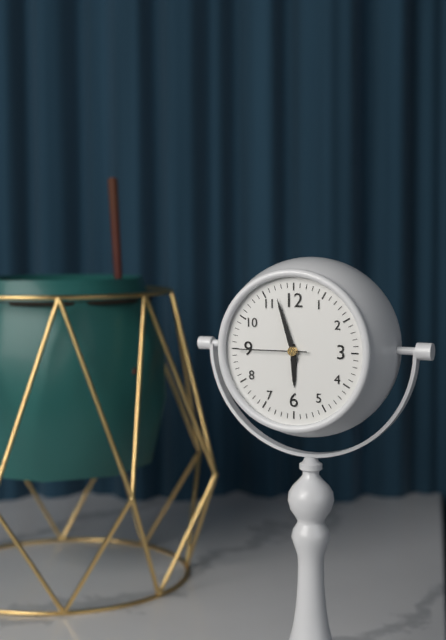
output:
5:57:45
